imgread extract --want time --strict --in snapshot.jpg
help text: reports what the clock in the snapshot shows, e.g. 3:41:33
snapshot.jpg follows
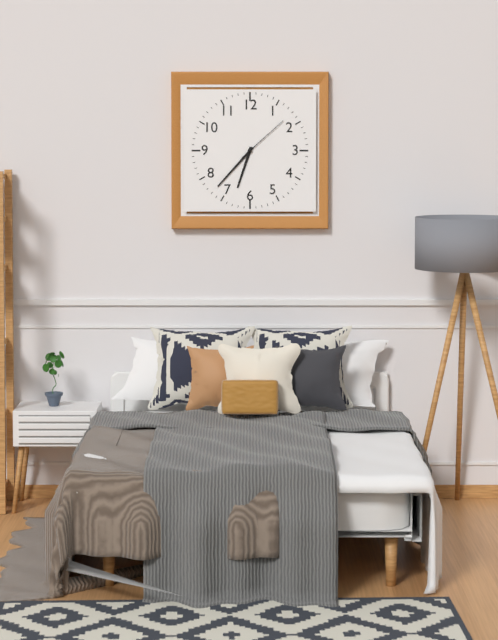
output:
6:37:08
